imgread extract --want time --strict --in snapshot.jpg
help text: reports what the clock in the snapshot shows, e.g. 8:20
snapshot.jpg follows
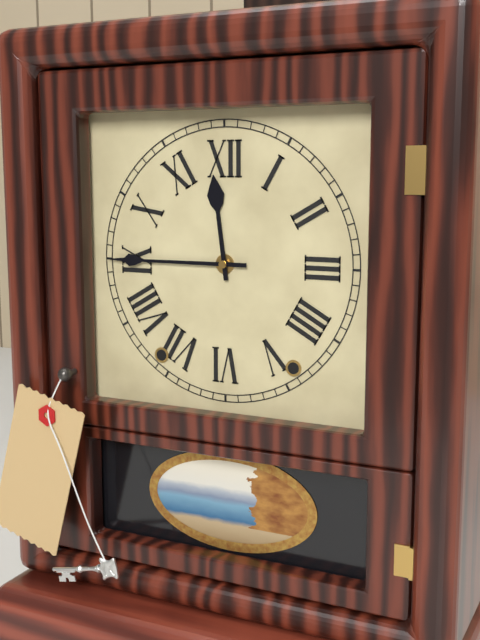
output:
11:45
